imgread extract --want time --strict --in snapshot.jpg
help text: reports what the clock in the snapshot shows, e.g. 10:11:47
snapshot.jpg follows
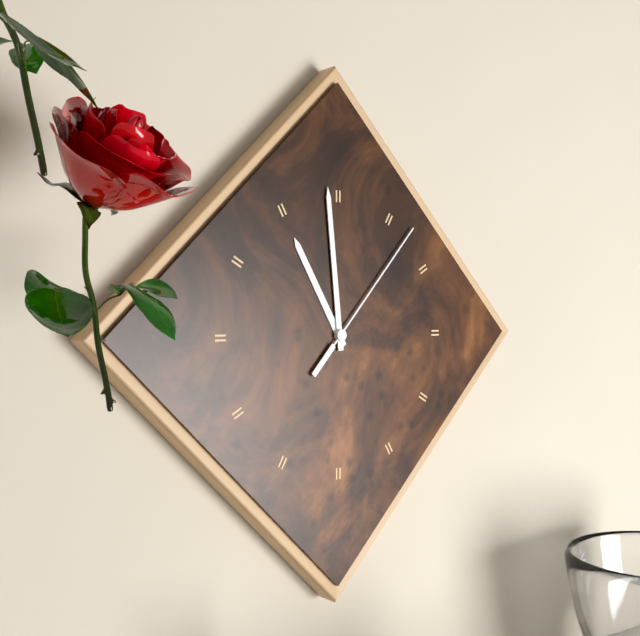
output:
10:59:07
